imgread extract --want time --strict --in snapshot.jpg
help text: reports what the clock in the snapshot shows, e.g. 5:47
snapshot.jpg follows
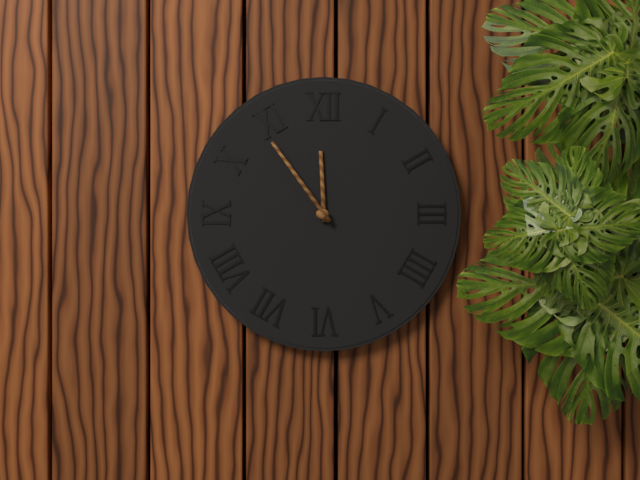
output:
11:54
